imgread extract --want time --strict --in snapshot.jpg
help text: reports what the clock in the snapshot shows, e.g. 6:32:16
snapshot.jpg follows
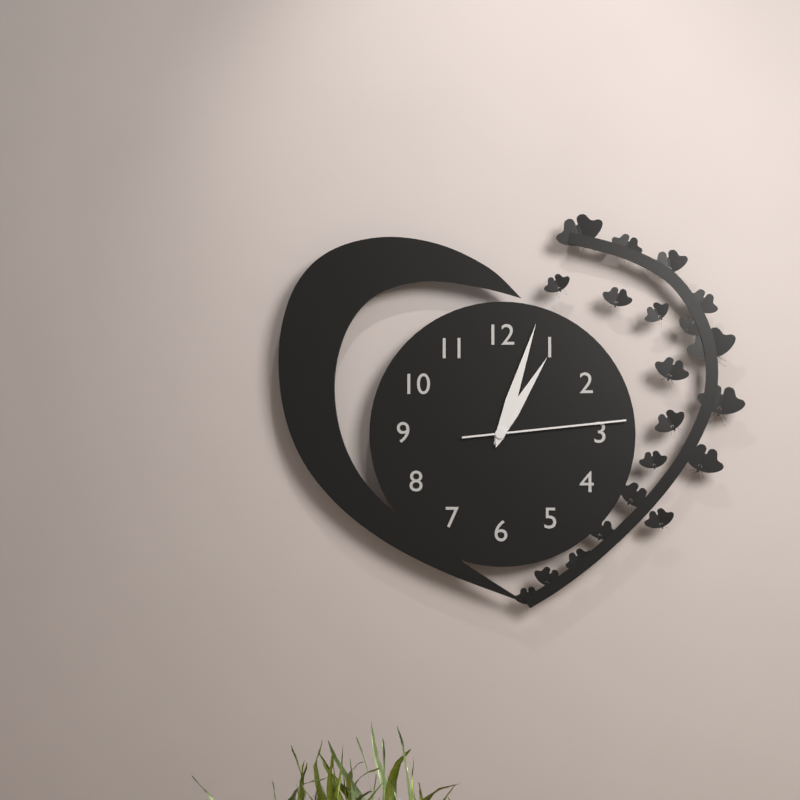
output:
1:03:14
